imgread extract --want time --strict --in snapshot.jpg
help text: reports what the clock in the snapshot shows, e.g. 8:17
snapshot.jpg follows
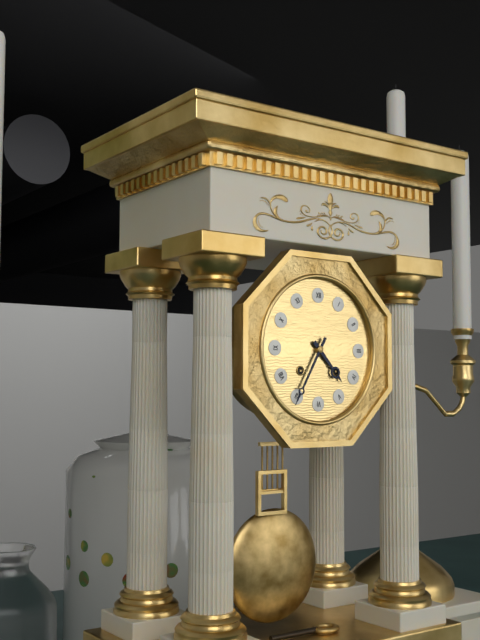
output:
4:35
